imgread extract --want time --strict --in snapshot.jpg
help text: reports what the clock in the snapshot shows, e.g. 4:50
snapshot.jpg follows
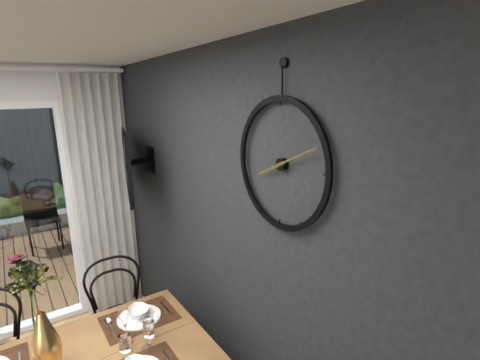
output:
8:11
